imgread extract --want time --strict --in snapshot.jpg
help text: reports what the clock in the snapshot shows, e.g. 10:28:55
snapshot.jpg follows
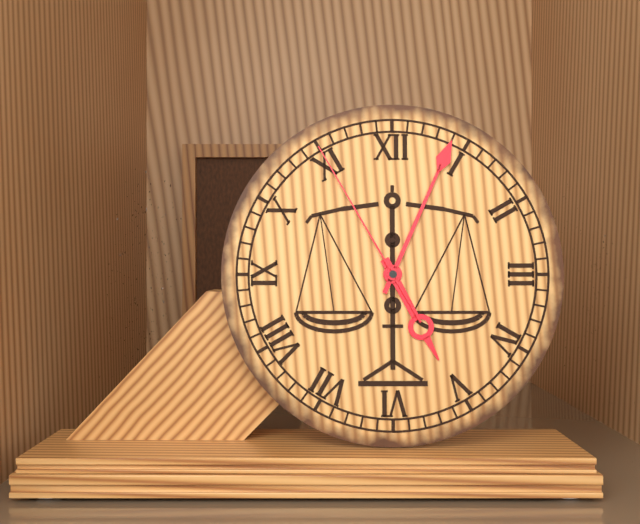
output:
5:04:55
